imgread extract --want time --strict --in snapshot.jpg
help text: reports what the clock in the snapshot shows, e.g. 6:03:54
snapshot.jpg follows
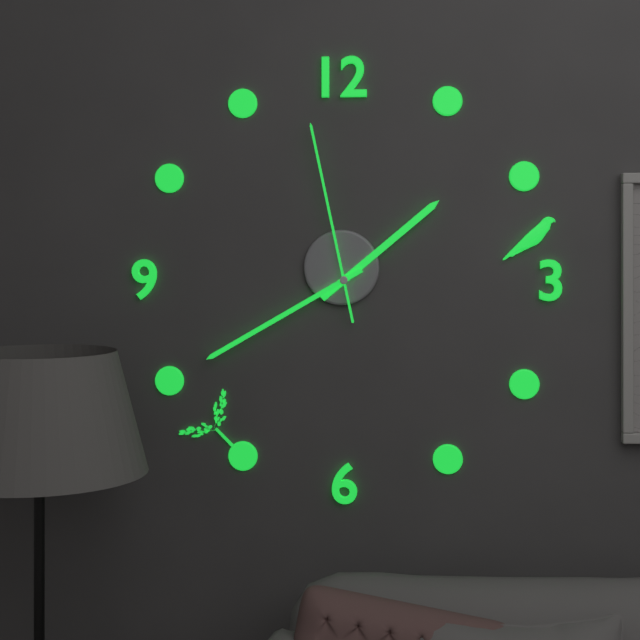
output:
1:40:58
